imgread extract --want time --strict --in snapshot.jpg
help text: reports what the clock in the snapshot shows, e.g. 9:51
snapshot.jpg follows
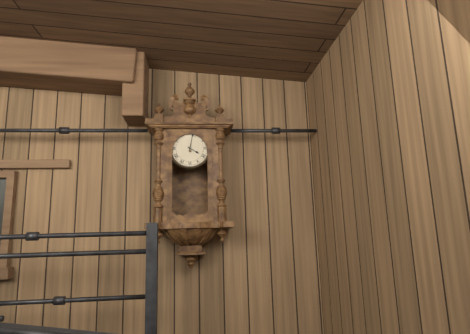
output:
4:02
